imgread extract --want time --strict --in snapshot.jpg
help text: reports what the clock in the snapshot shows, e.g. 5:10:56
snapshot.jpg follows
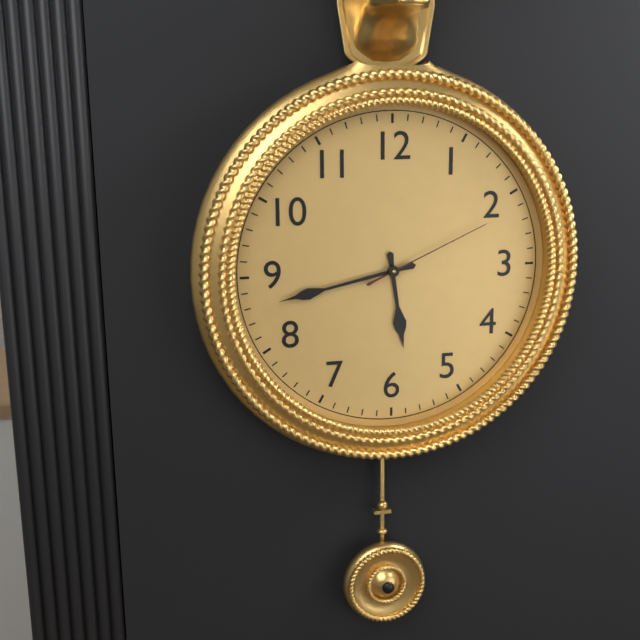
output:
5:43:11
